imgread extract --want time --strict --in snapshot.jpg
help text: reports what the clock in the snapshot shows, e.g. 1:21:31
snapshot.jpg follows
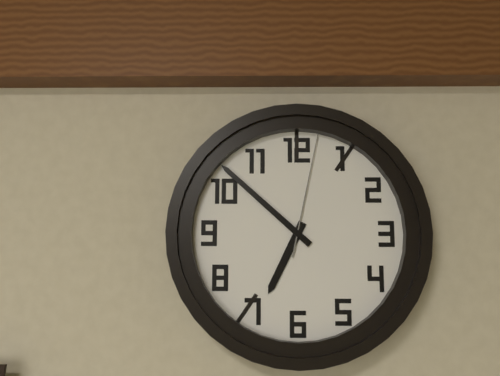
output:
6:52:02
